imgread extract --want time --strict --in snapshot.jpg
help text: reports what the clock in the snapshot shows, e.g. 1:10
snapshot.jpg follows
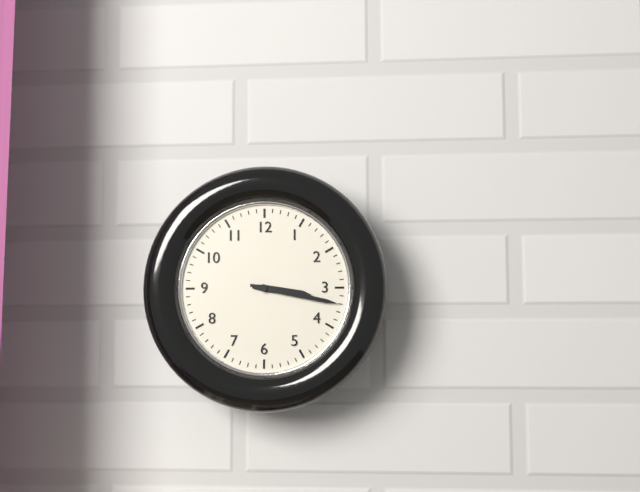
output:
3:17
